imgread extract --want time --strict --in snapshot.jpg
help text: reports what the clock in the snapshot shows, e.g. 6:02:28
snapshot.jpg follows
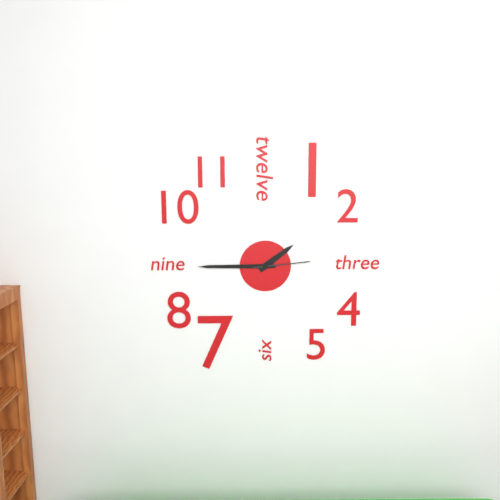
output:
1:45:14
